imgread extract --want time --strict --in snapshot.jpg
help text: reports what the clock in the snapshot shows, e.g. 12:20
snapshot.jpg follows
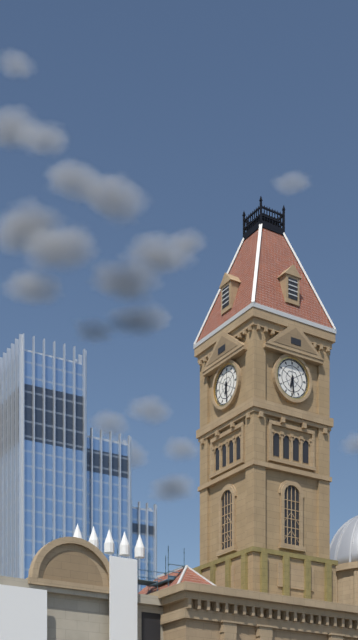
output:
6:29
